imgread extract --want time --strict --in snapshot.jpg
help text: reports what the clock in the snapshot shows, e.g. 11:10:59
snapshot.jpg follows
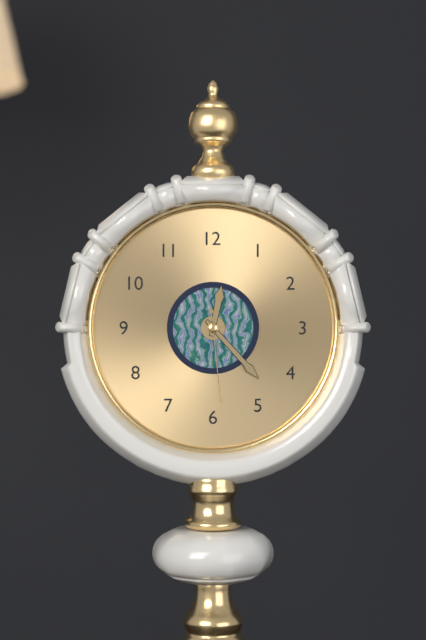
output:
12:23:29
